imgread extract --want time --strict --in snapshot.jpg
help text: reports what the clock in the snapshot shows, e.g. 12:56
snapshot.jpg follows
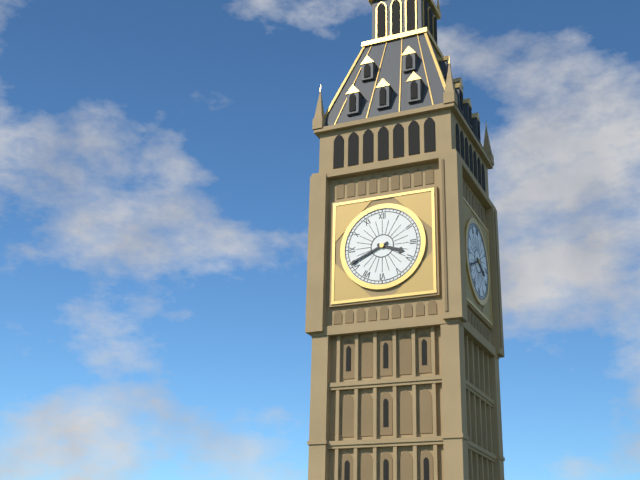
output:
3:41
